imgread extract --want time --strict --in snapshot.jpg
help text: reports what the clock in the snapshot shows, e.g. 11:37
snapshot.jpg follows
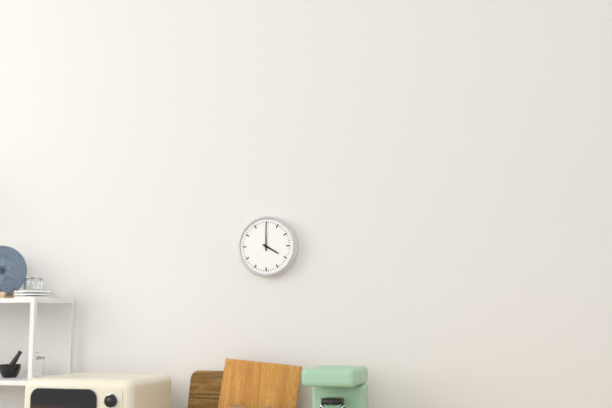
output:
4:00
